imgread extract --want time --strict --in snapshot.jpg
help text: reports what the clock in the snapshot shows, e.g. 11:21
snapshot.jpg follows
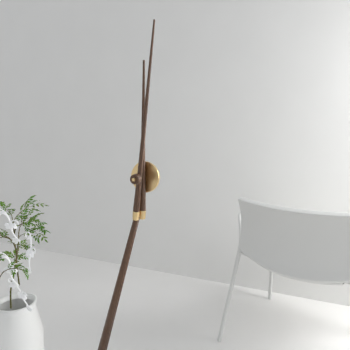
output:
12:01
